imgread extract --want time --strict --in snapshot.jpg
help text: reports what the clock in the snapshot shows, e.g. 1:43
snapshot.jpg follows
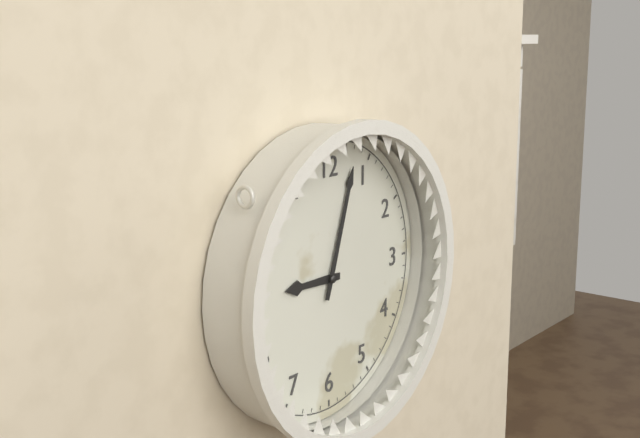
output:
9:03
